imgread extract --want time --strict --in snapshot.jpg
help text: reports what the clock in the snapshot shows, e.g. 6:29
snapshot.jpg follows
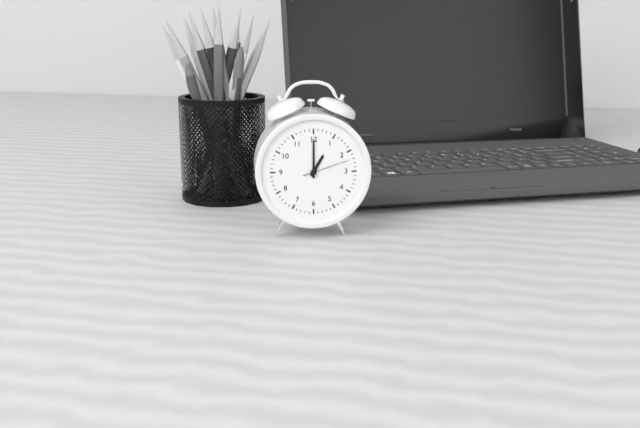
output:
1:00
